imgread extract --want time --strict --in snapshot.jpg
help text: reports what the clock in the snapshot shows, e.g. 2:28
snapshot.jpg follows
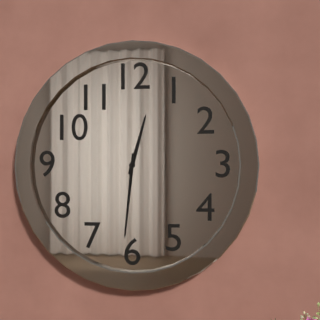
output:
12:31
